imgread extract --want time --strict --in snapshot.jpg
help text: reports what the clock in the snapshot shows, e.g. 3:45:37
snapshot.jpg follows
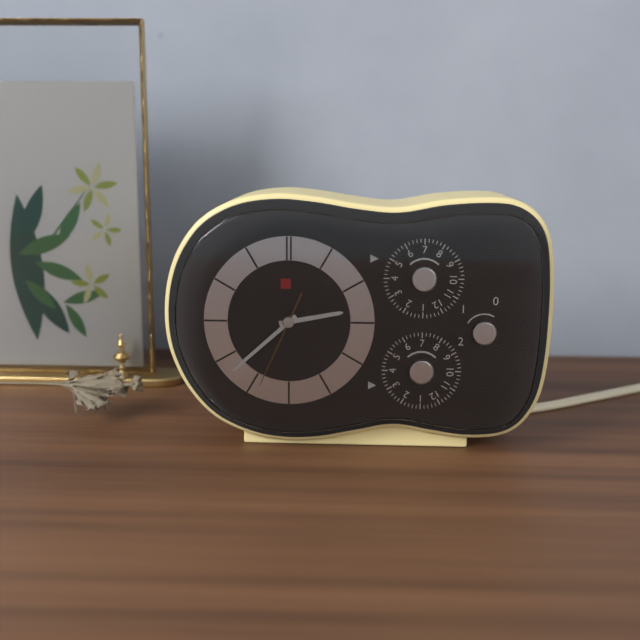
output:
2:38:34
